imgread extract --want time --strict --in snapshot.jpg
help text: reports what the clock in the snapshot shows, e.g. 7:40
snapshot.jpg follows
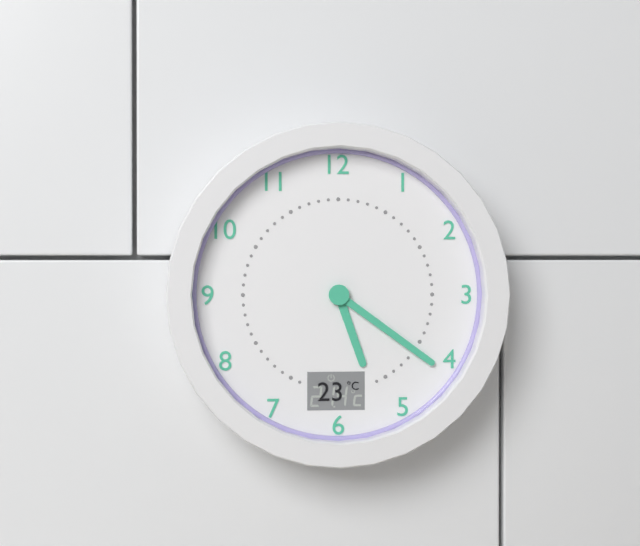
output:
5:21
